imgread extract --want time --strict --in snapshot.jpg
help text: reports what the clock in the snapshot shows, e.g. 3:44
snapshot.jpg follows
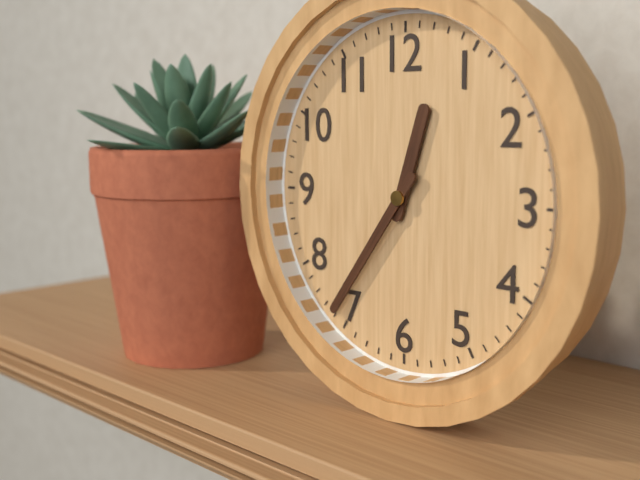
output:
12:36
